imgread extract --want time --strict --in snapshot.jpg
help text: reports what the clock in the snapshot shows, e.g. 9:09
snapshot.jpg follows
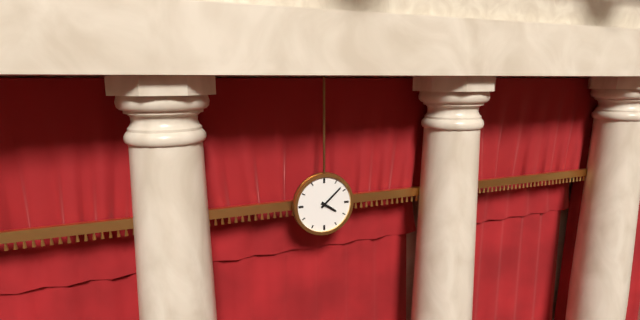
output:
4:08
